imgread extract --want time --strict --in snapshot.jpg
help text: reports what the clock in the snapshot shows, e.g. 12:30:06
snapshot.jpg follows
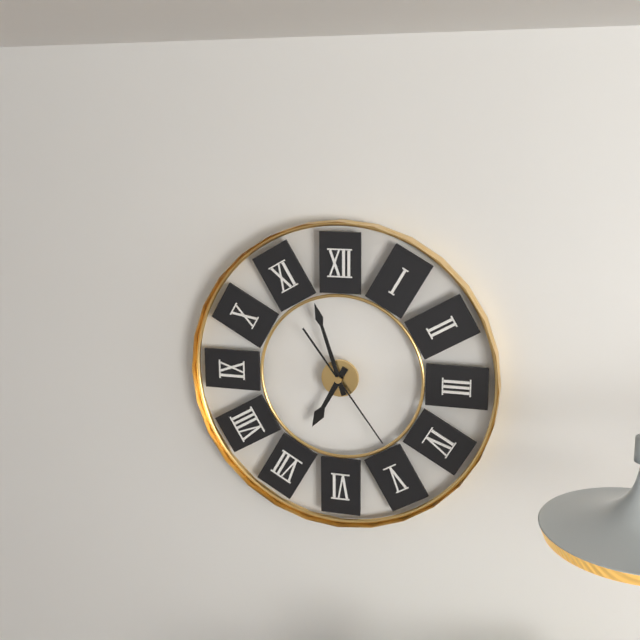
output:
6:57:24
